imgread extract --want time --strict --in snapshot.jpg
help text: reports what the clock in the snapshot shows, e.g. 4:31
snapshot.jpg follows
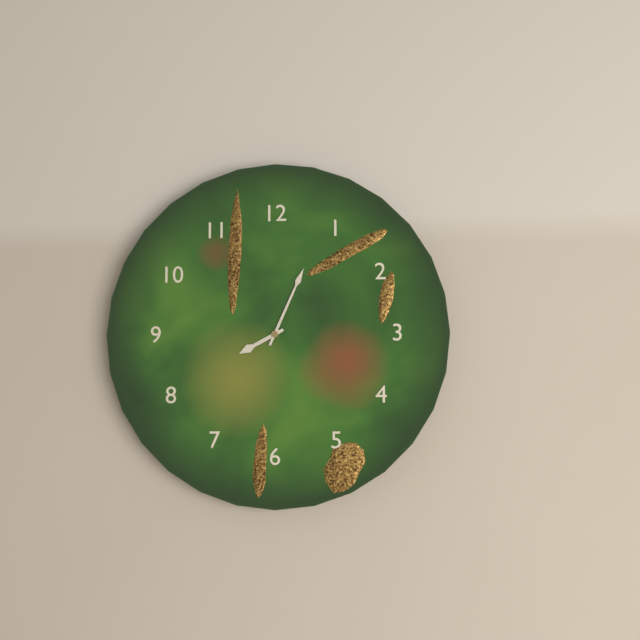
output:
8:04
